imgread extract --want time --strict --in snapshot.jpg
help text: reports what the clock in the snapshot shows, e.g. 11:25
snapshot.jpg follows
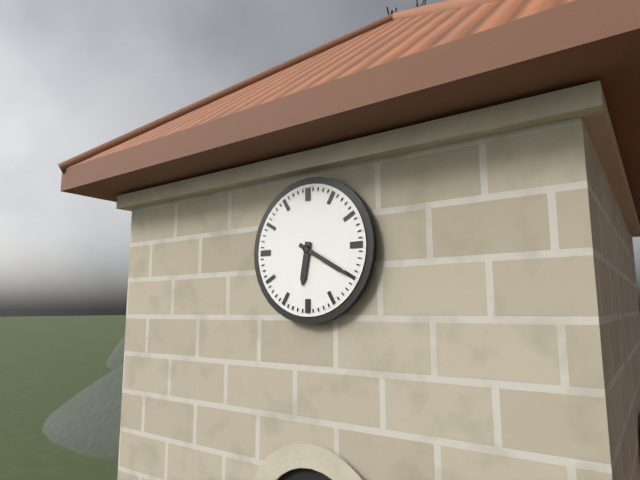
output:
6:20
